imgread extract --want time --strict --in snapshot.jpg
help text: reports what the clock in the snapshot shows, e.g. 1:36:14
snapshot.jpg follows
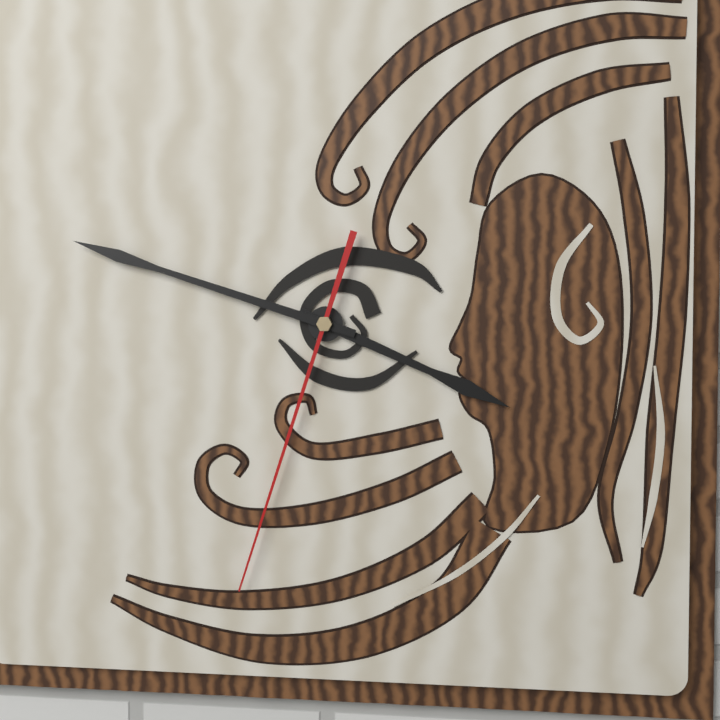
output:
3:48:33
